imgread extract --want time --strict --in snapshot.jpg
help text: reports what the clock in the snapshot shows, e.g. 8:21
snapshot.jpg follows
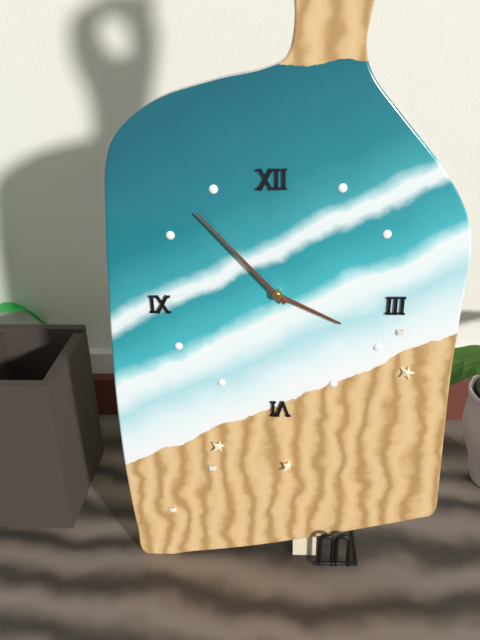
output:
3:53
